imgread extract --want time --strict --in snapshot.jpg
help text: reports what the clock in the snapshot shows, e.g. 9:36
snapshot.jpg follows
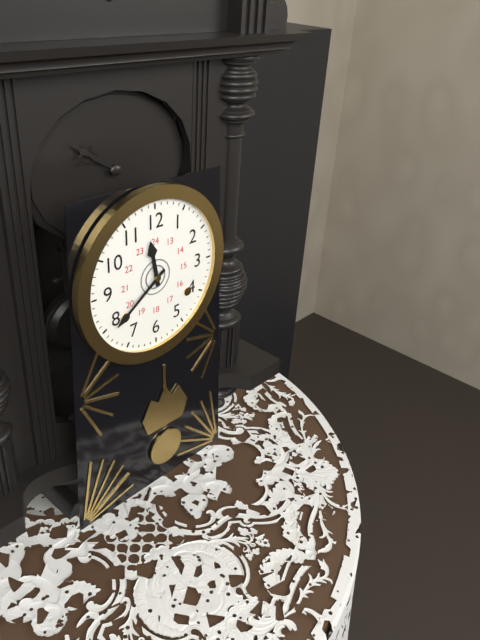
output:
11:39
